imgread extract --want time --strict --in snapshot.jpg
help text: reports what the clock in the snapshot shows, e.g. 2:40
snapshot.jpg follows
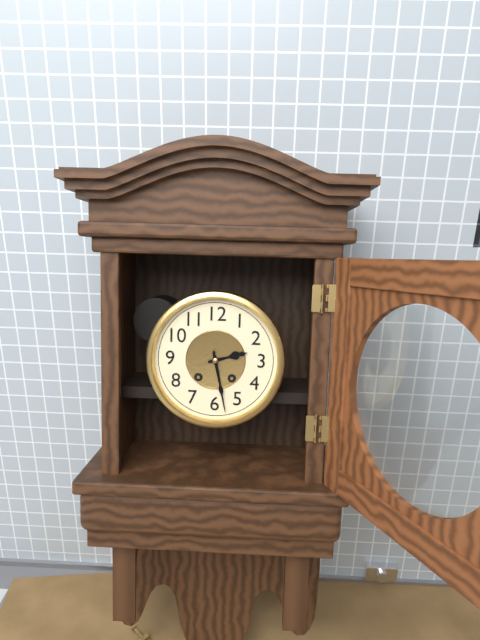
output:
2:28
